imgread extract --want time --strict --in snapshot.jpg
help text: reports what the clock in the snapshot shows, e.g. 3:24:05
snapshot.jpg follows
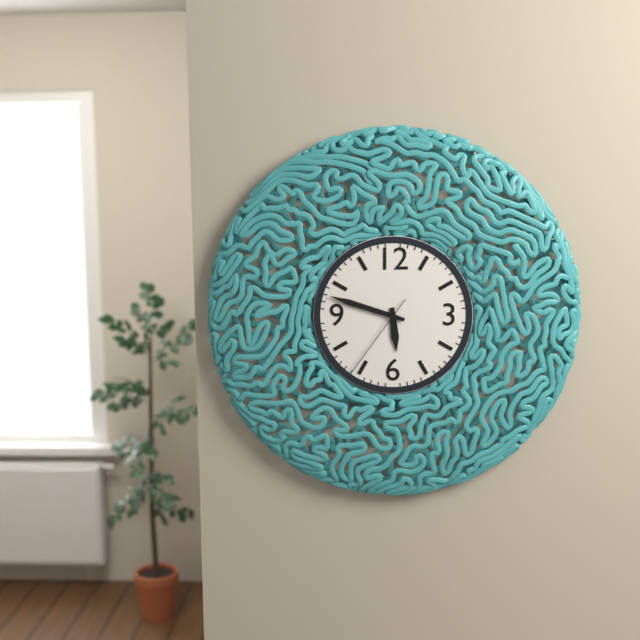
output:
5:48:36
